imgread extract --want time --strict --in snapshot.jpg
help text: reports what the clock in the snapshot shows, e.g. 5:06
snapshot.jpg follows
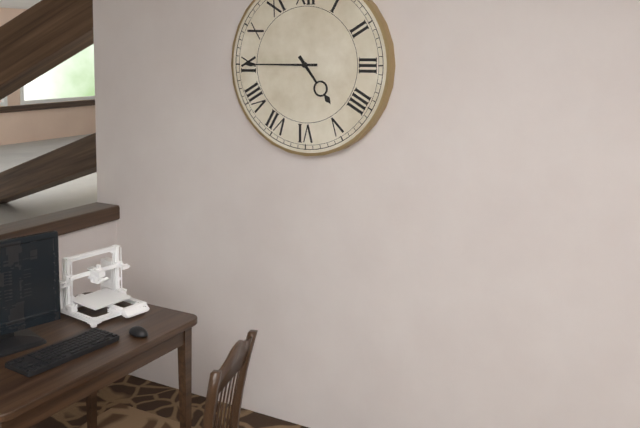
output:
4:45
